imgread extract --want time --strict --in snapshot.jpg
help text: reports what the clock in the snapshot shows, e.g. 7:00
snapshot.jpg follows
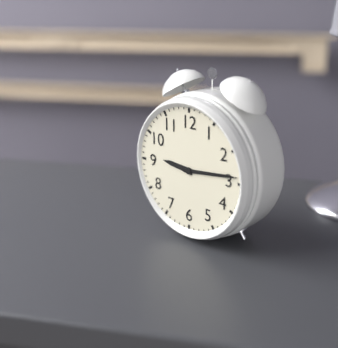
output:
9:14
